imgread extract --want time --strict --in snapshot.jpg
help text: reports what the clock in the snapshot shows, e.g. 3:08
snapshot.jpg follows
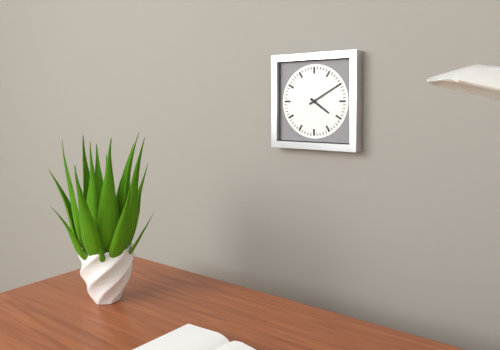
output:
4:10
